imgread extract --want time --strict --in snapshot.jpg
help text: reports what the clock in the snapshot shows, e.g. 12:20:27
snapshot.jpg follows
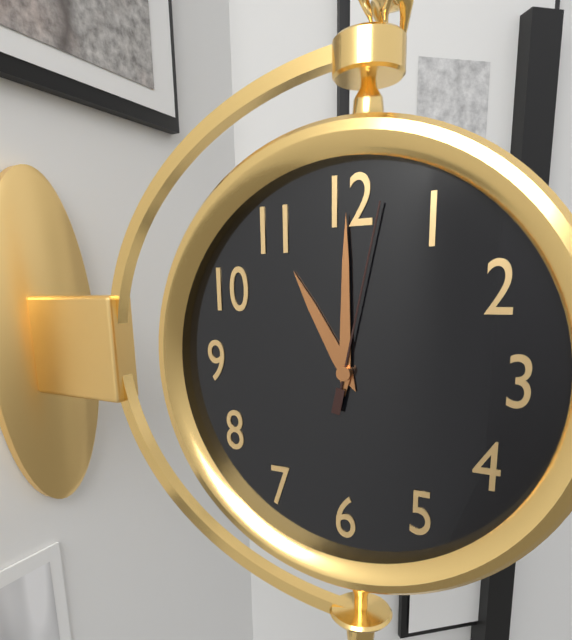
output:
11:00:02
